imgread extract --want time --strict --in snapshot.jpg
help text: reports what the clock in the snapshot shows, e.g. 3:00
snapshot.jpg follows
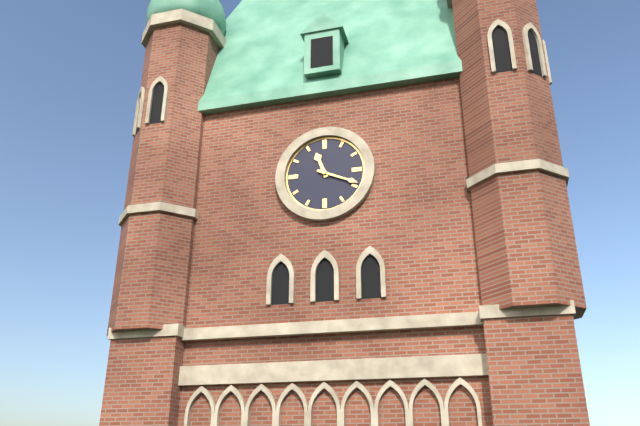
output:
11:19
